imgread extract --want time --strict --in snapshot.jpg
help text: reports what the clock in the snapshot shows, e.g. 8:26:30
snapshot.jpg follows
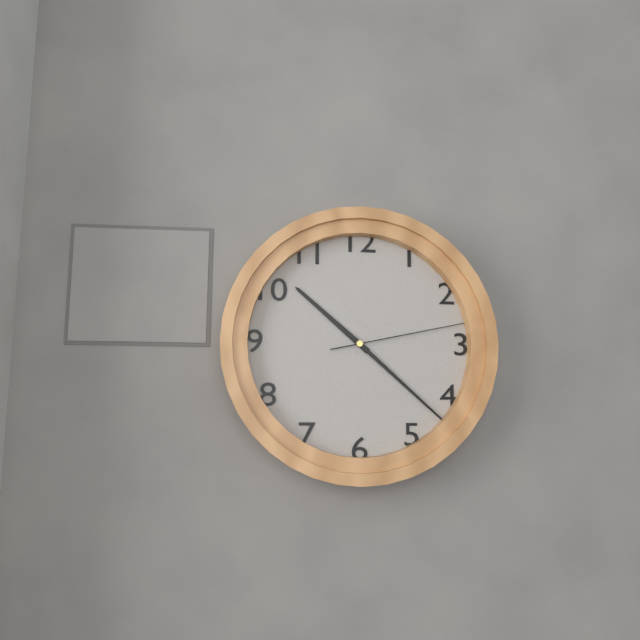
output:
10:22:13
